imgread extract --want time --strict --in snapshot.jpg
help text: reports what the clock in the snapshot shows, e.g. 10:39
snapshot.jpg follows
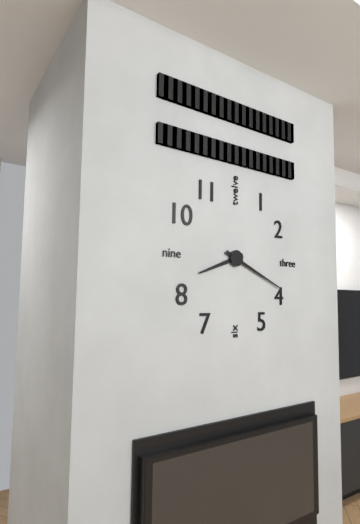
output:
8:19
